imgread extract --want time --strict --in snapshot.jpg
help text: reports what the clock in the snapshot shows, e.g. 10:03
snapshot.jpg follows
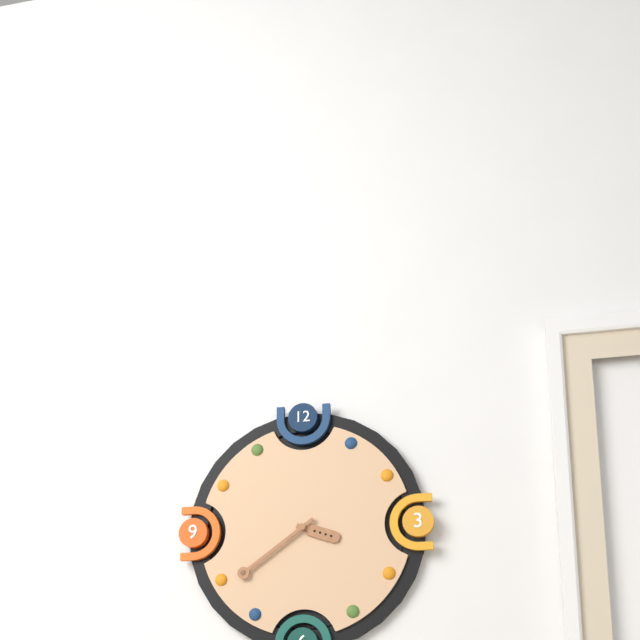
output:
3:39
